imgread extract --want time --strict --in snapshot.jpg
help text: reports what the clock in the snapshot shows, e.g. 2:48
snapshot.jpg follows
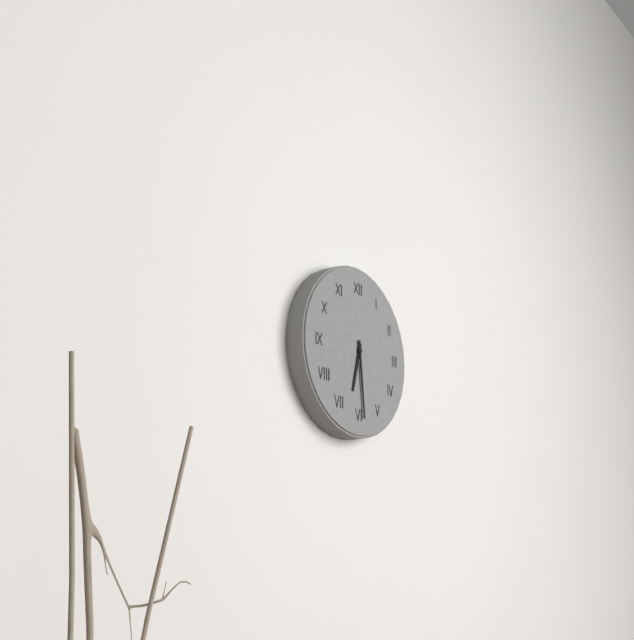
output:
6:29
